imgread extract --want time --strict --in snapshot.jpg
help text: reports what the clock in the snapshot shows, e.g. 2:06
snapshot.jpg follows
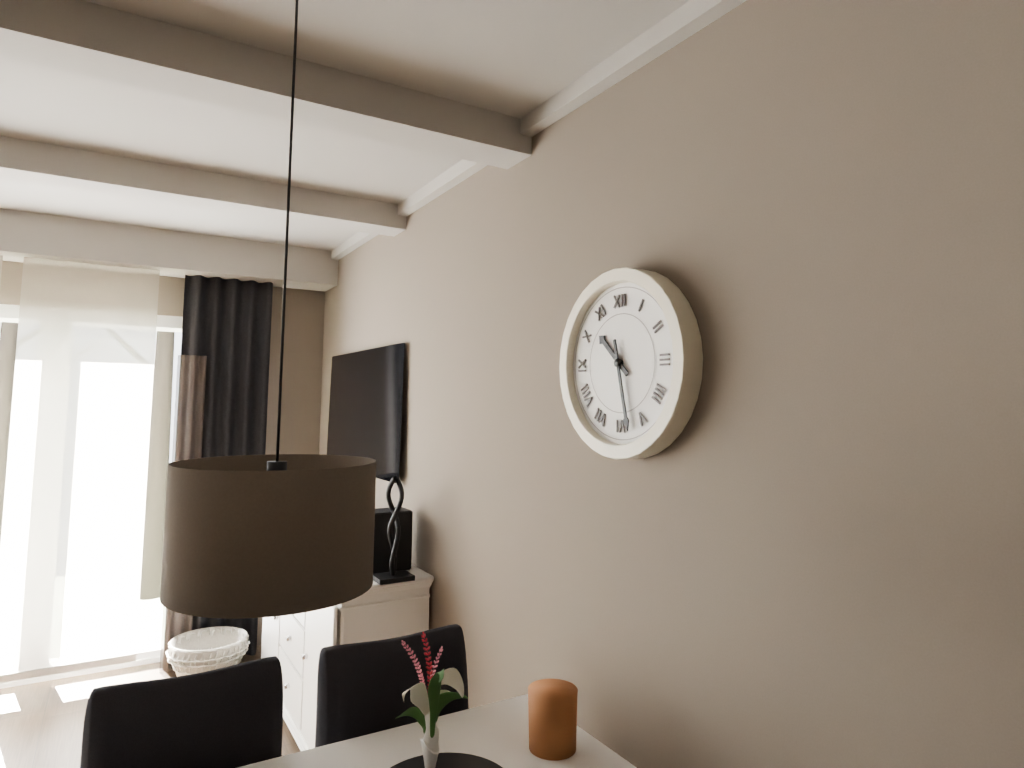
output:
10:28
